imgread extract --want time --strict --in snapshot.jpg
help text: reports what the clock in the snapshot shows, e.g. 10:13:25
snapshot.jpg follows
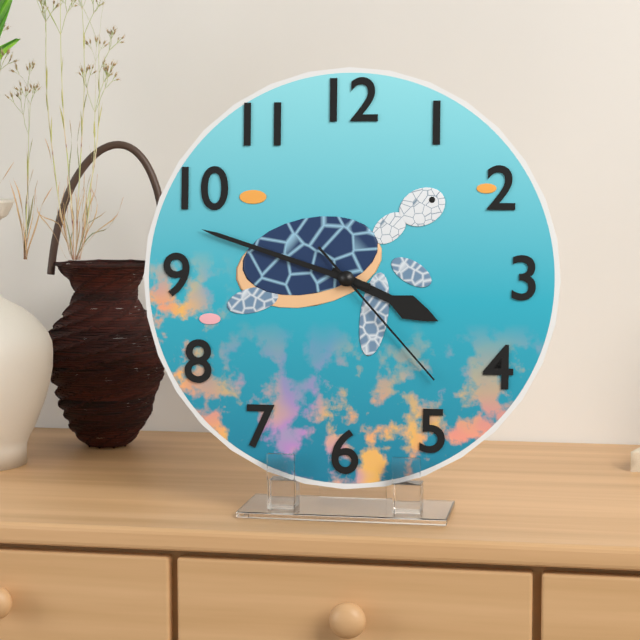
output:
3:48:23
